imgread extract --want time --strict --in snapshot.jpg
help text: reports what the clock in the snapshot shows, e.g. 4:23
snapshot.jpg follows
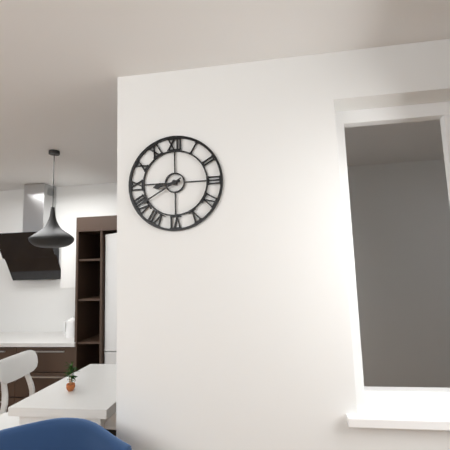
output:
8:40
